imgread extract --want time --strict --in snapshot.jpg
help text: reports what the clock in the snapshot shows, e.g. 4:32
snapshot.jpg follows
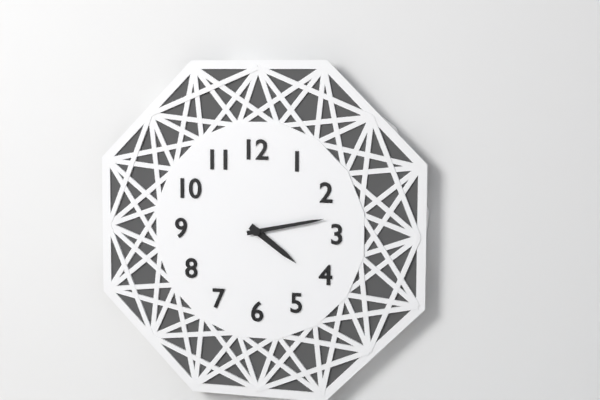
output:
4:13
